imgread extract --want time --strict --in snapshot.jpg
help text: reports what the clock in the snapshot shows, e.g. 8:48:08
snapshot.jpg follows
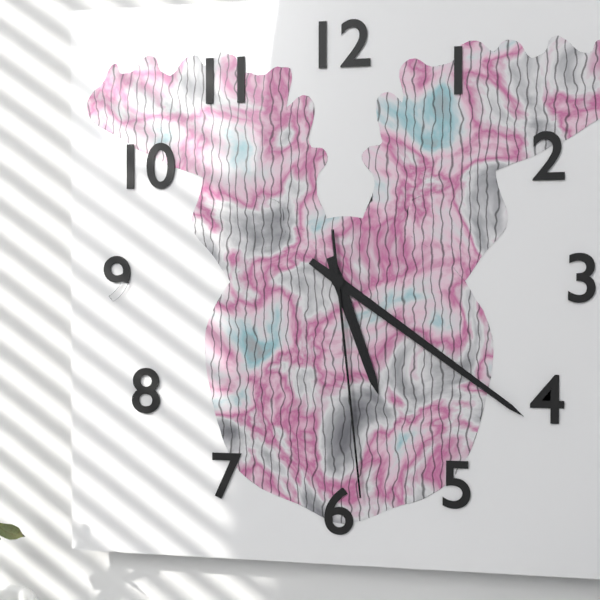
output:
5:21:29
